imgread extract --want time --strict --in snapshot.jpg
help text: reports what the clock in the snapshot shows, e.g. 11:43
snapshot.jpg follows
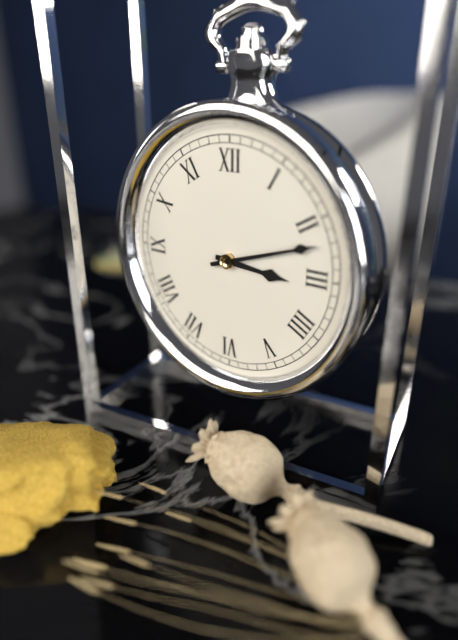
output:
3:12
